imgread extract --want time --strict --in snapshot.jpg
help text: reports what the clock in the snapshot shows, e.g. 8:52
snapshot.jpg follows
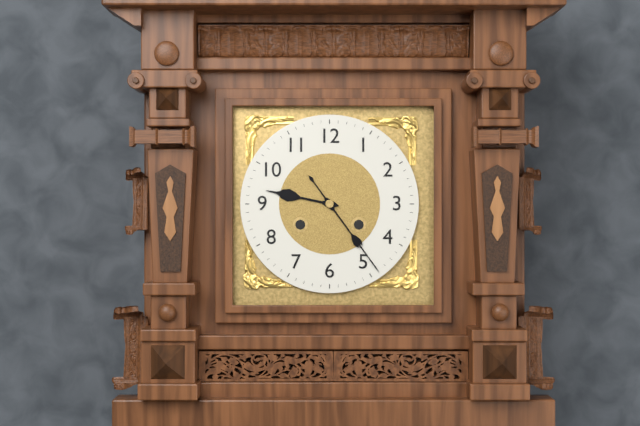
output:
9:24
